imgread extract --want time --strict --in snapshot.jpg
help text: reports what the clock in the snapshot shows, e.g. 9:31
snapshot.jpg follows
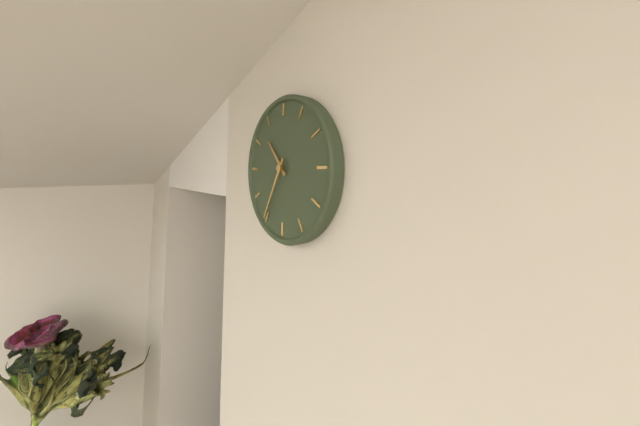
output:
10:35
